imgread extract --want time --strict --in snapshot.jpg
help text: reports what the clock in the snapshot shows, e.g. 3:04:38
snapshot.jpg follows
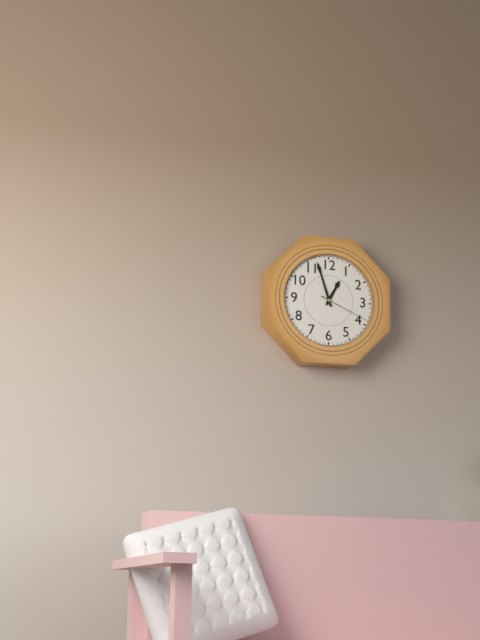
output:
12:57:19
